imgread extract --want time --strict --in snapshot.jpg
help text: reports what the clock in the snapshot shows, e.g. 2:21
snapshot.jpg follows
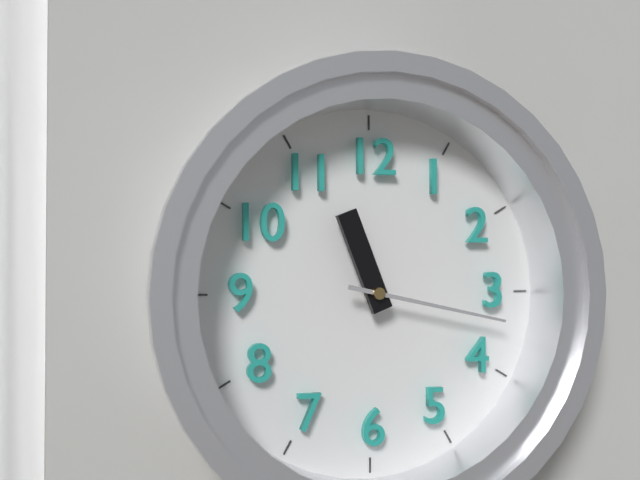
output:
11:17
